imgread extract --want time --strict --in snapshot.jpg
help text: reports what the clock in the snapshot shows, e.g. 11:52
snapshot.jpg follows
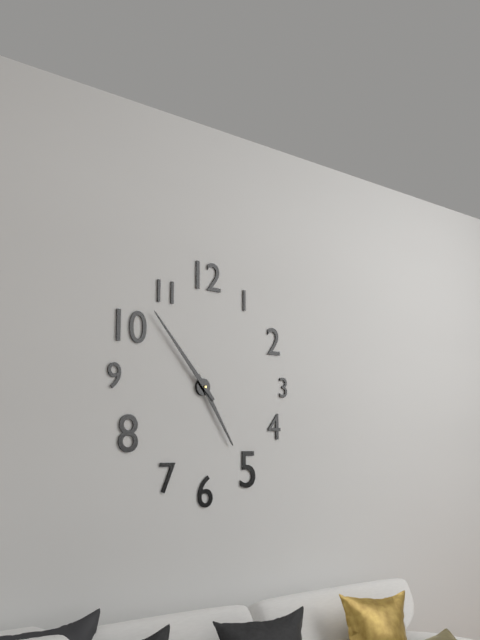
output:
4:53
